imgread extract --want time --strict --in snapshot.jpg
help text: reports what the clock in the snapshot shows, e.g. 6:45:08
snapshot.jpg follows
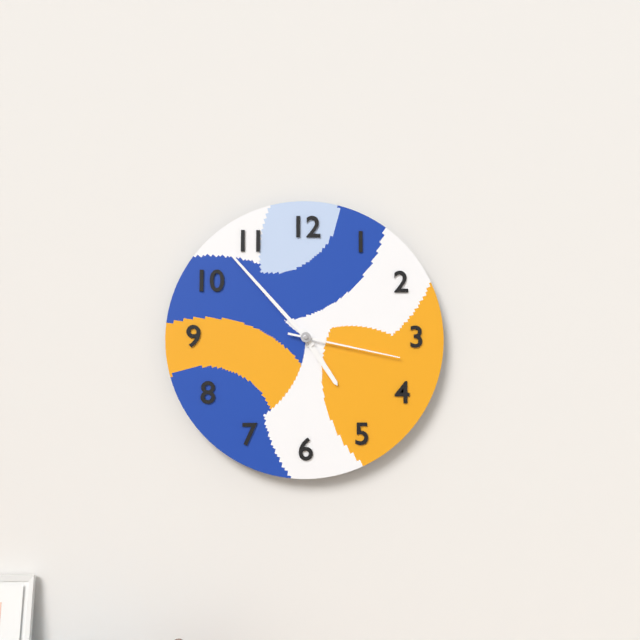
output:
4:53:17
